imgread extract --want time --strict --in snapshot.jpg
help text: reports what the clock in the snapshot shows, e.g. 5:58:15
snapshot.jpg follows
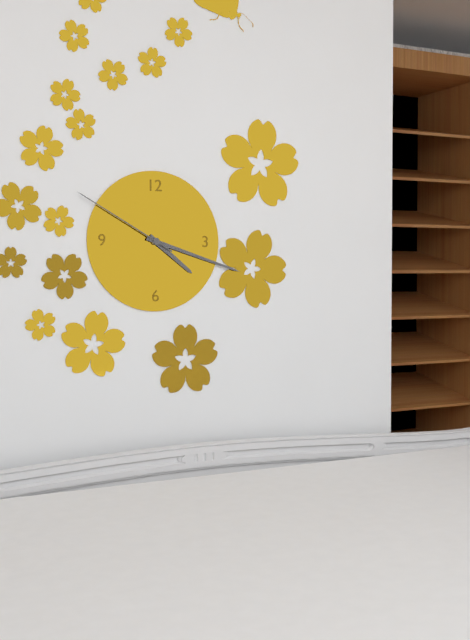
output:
4:18:50
